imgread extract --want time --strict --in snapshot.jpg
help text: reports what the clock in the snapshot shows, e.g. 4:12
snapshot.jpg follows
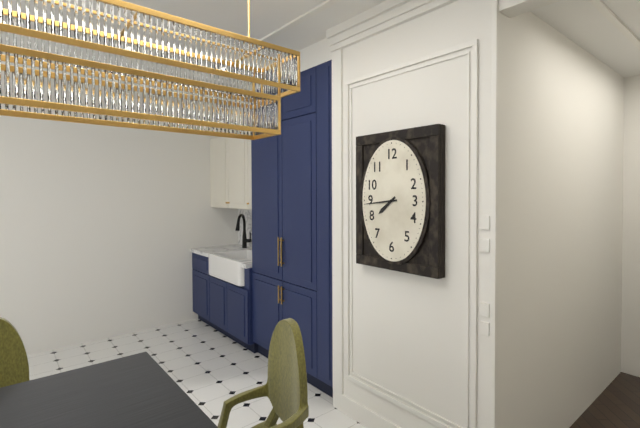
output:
7:44
